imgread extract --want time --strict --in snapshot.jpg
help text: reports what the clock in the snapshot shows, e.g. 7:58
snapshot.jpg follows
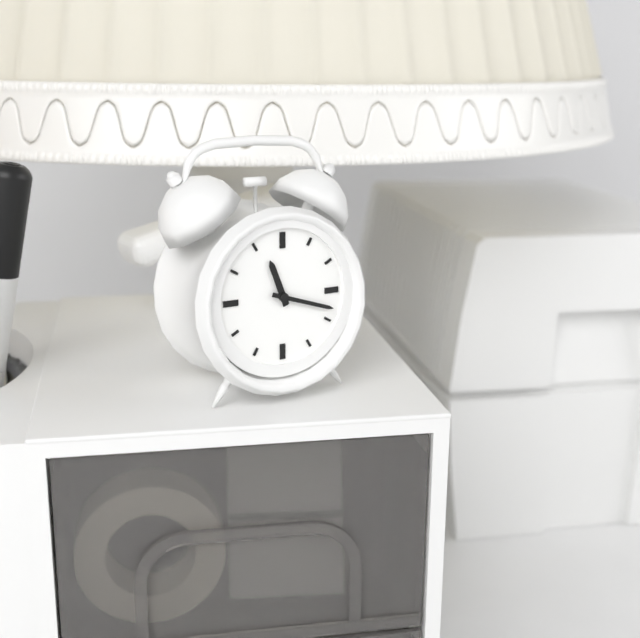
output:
11:18
